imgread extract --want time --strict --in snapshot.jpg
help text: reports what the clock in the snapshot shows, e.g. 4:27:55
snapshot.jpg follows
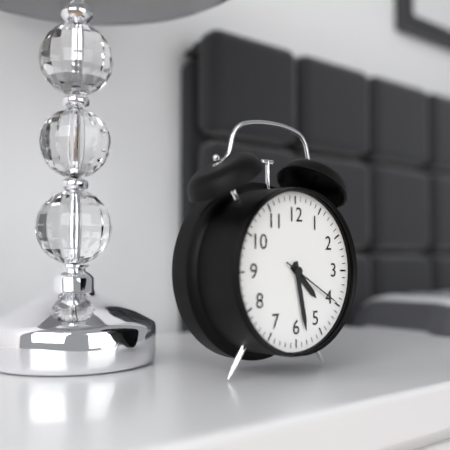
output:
4:28:20
